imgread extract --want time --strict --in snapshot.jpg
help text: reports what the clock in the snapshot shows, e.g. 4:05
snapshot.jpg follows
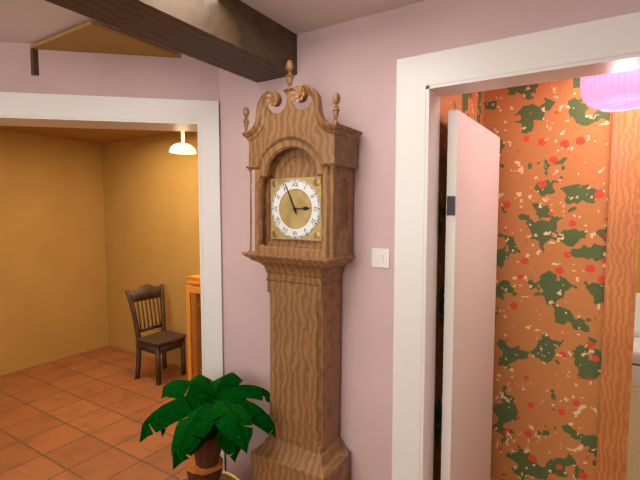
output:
2:56
